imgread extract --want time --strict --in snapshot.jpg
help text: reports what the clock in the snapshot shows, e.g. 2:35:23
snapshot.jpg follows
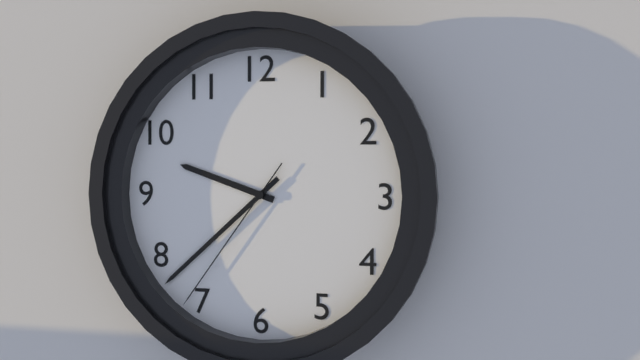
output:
9:38:36
